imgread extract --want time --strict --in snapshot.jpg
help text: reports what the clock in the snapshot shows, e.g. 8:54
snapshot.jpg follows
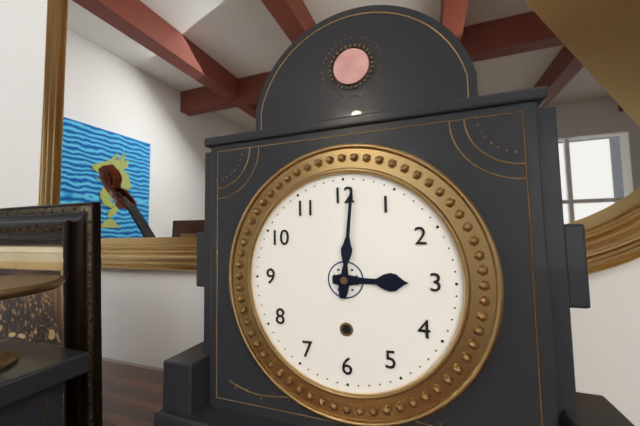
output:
3:01
